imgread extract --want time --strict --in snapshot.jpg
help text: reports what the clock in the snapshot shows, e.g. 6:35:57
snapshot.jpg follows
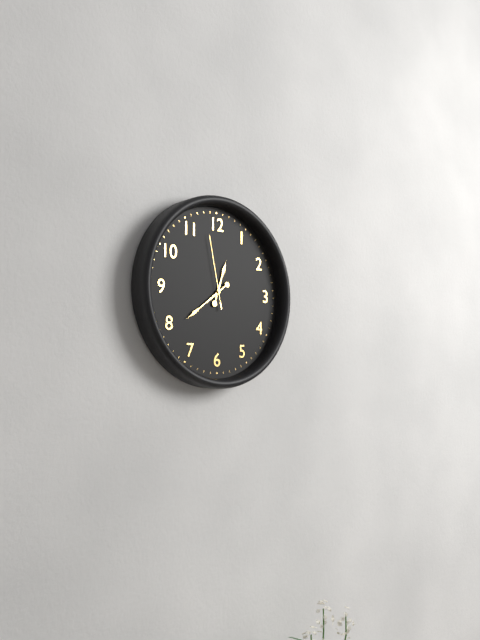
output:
12:39:58
